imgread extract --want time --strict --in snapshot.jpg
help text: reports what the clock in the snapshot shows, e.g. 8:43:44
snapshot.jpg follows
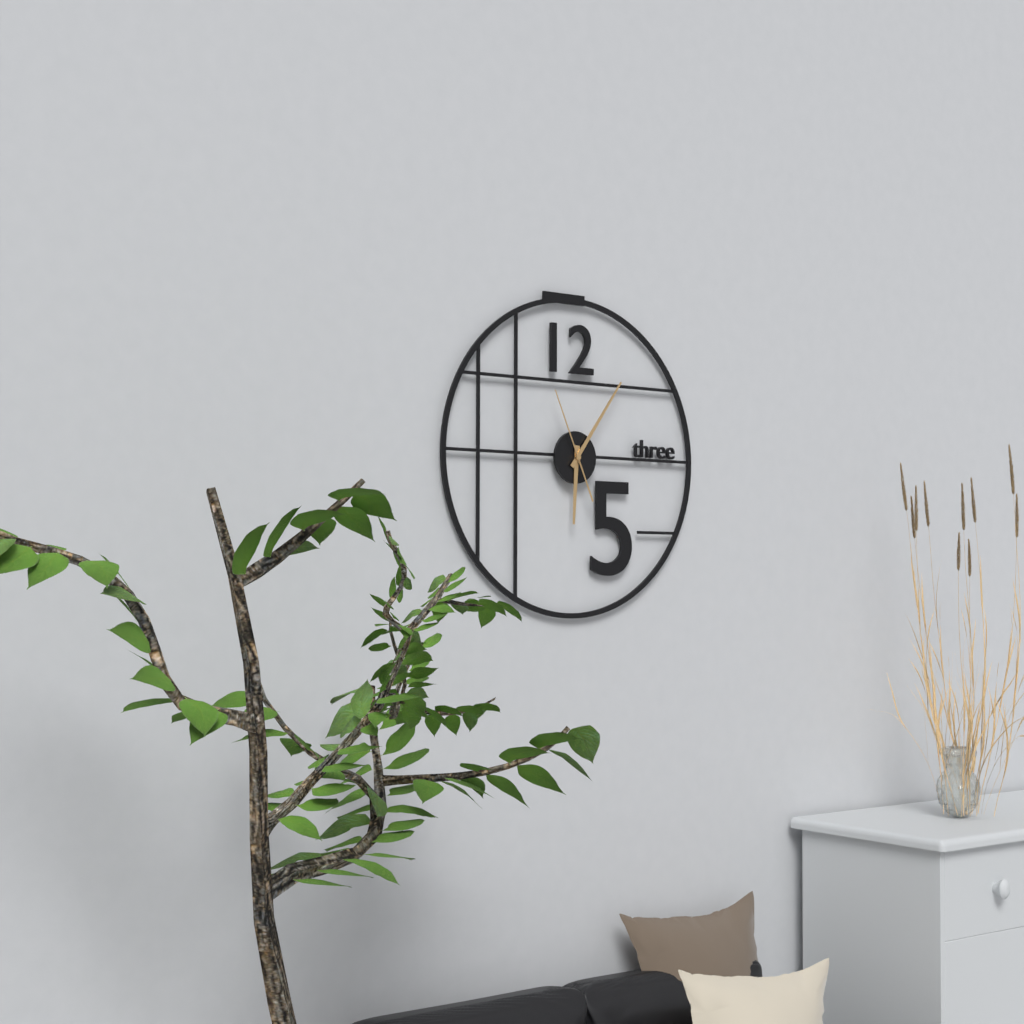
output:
6:06:56
